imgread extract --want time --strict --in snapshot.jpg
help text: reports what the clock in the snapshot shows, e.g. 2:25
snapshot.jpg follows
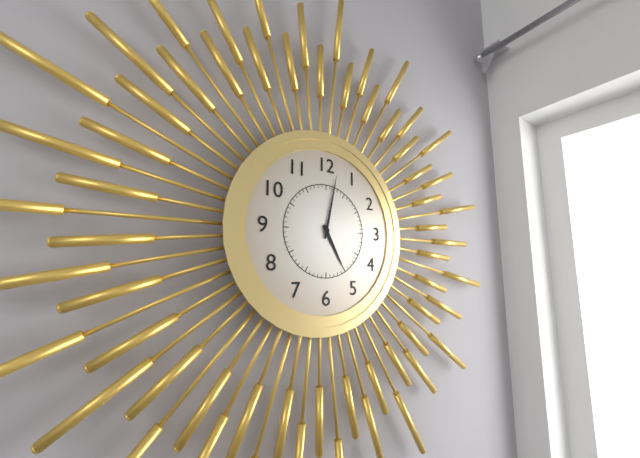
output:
5:02
